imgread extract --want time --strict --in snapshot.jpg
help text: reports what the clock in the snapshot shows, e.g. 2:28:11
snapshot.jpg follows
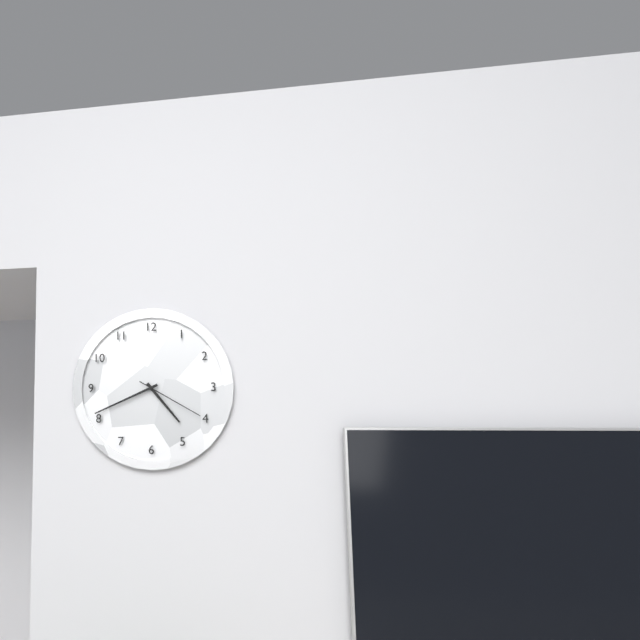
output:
4:41:20
